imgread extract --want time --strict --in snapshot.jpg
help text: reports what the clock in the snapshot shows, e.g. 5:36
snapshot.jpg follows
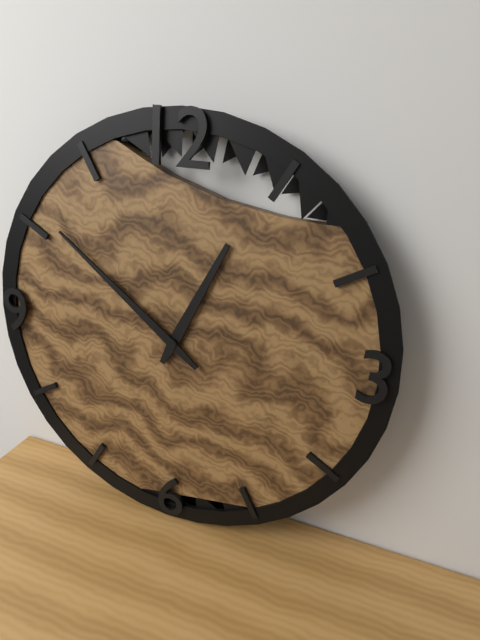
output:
12:51
